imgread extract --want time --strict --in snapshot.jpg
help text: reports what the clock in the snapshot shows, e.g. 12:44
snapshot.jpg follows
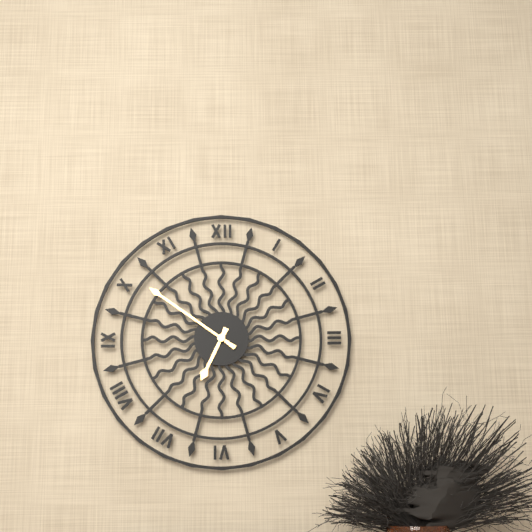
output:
6:51
